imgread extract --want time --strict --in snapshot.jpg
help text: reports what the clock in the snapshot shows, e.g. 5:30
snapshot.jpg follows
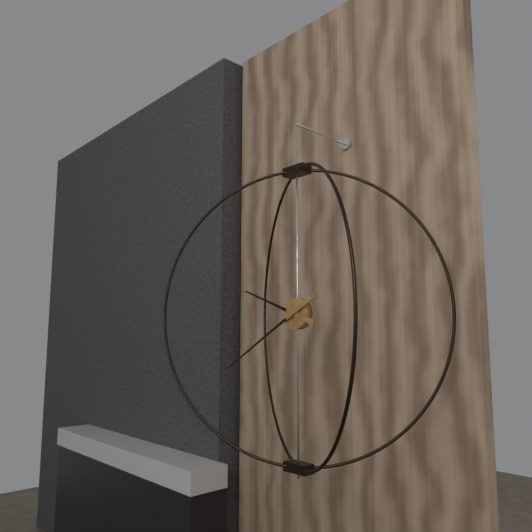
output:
9:40
